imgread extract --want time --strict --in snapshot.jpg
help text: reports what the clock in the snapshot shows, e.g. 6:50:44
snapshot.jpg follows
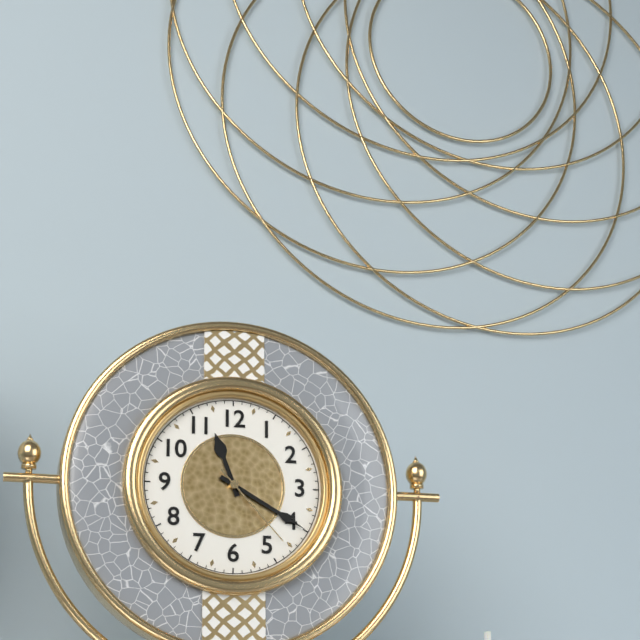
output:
11:20:23
